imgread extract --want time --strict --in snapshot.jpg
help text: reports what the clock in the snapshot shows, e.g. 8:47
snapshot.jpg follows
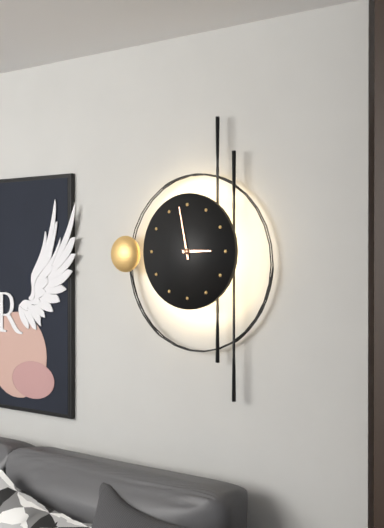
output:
2:58
